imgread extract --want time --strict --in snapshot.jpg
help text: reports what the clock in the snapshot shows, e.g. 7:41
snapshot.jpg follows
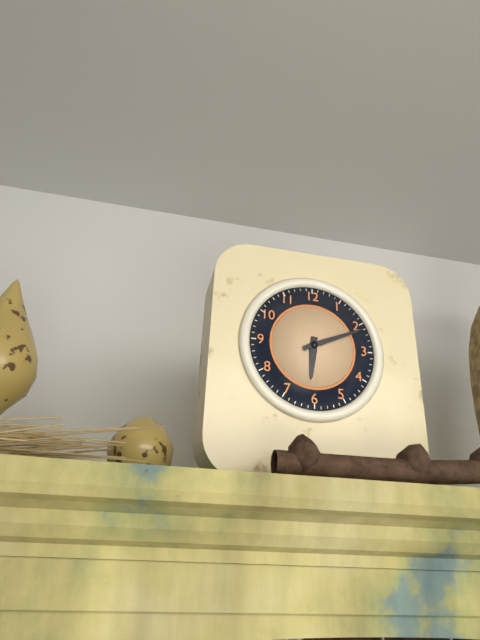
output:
6:11
